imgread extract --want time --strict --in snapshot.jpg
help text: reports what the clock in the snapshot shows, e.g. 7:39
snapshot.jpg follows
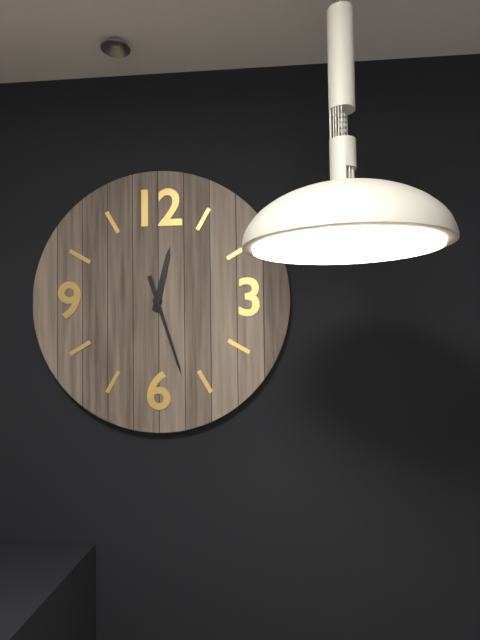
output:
12:27
